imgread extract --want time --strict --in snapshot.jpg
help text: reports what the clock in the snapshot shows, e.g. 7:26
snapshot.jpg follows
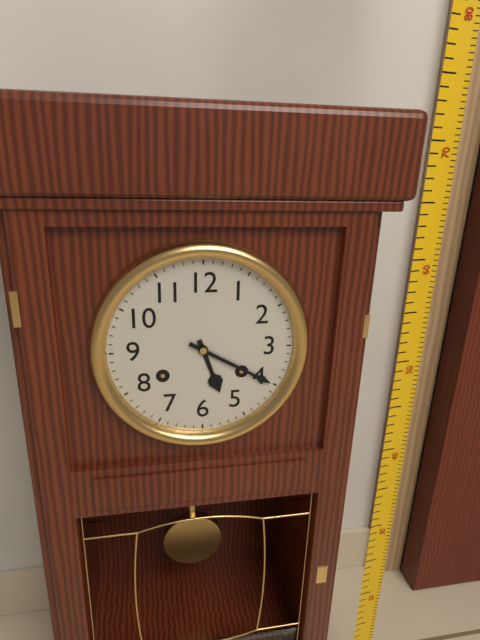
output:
5:20
